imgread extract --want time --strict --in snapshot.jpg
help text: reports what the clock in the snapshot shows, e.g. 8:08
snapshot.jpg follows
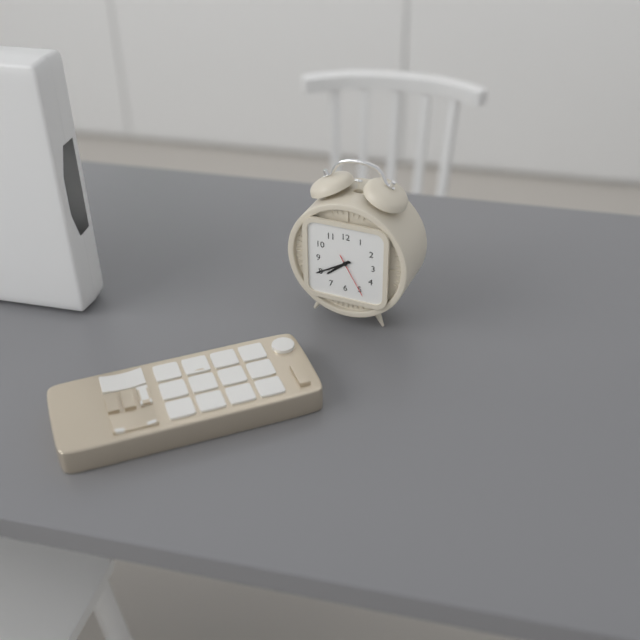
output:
7:40
